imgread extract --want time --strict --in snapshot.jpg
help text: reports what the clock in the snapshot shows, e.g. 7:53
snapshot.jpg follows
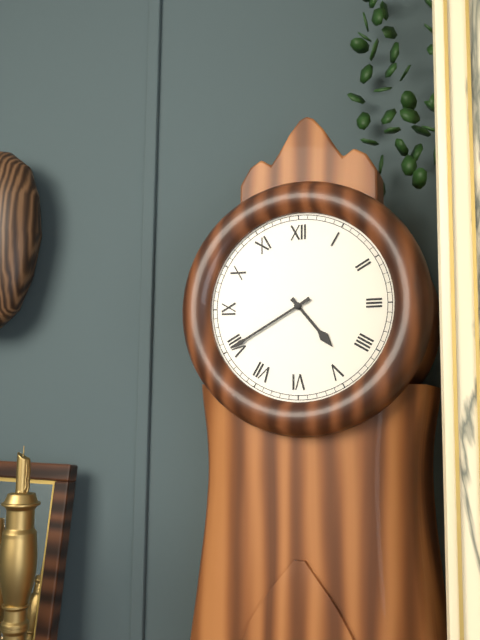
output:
4:40
